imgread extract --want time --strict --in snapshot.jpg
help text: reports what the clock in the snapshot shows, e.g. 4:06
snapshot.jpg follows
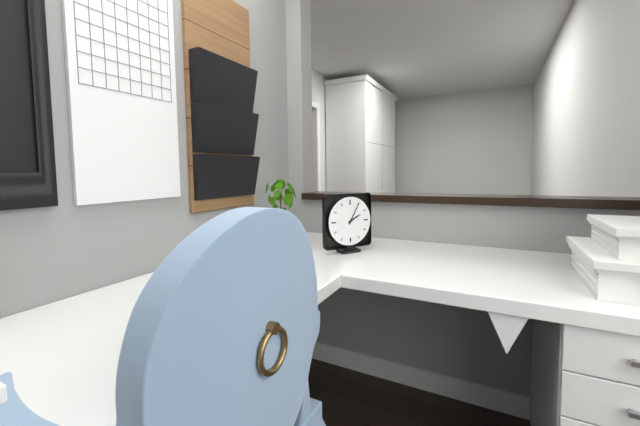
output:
2:05
